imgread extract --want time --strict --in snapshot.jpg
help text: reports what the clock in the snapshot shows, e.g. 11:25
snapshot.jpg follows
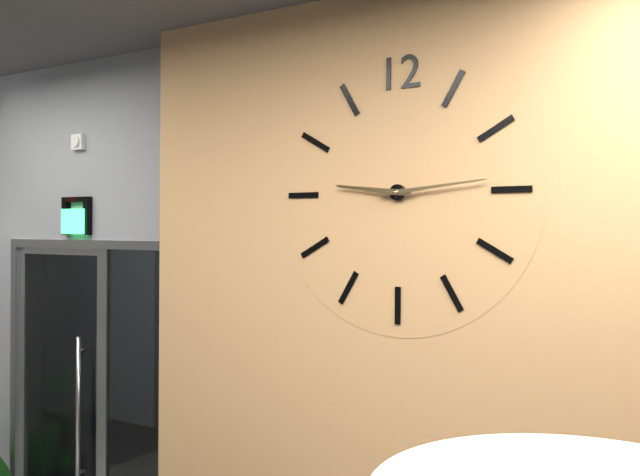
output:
9:14
